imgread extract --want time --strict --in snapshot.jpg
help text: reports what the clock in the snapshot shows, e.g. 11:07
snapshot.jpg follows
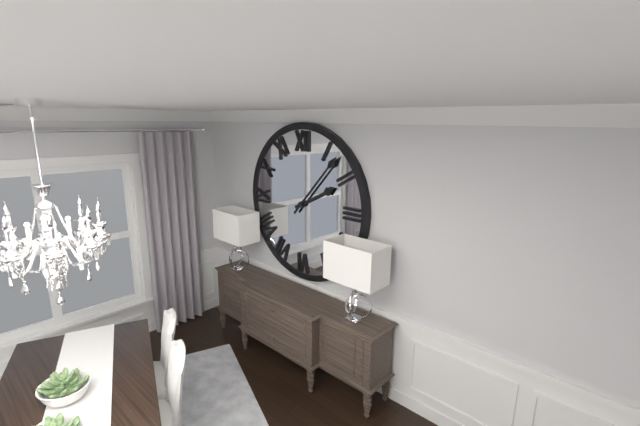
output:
2:07
